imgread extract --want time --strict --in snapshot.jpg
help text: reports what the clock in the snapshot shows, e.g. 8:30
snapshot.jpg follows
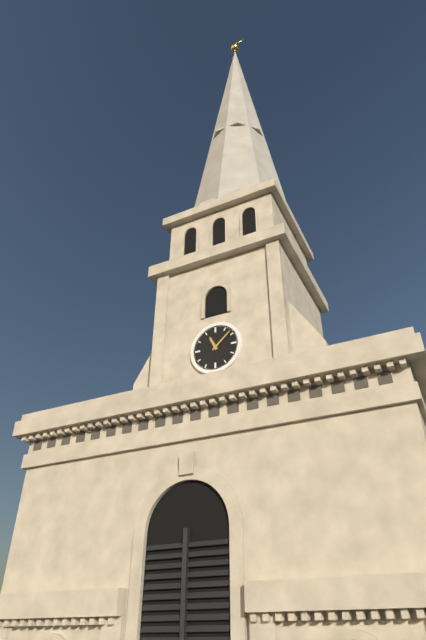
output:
11:08
